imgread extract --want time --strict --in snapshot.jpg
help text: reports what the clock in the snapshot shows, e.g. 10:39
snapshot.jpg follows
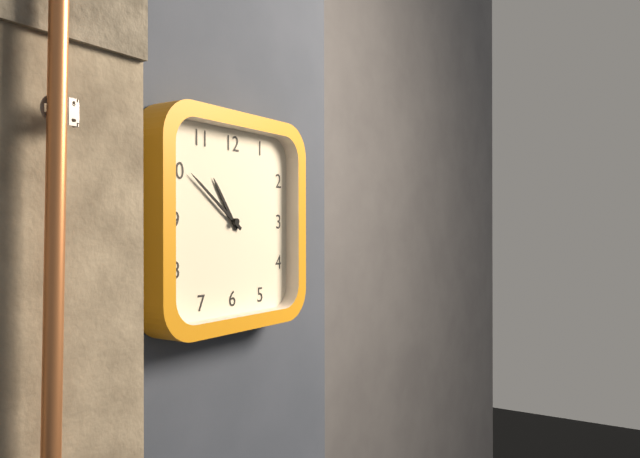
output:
10:51
